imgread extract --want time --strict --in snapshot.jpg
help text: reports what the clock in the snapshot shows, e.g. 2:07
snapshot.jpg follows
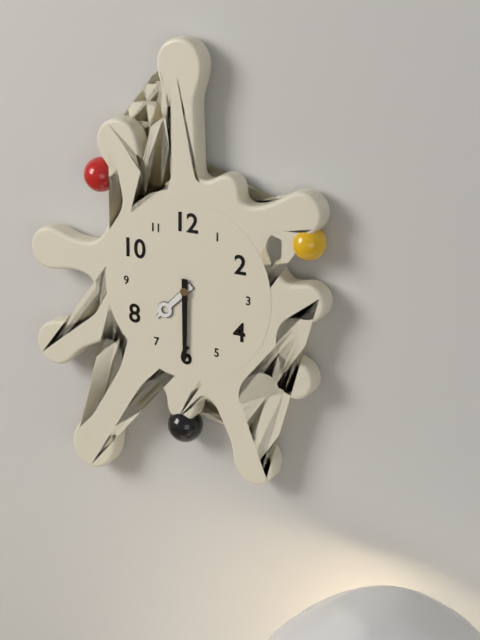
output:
7:30
